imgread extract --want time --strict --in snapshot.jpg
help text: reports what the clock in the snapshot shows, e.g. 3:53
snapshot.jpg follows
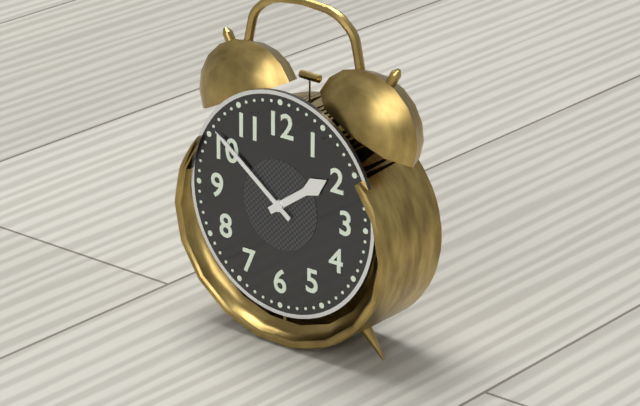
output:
1:51
